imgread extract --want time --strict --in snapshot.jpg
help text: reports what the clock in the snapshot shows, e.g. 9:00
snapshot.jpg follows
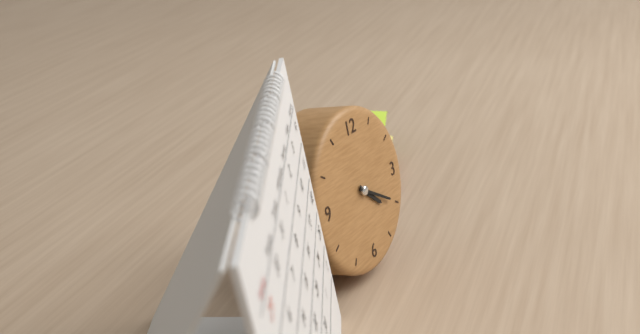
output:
4:20
